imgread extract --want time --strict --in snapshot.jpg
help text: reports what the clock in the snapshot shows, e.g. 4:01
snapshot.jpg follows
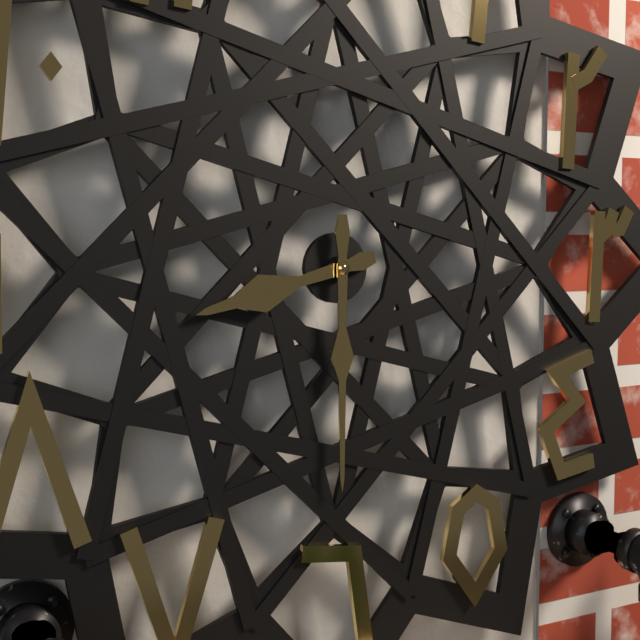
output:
8:30
